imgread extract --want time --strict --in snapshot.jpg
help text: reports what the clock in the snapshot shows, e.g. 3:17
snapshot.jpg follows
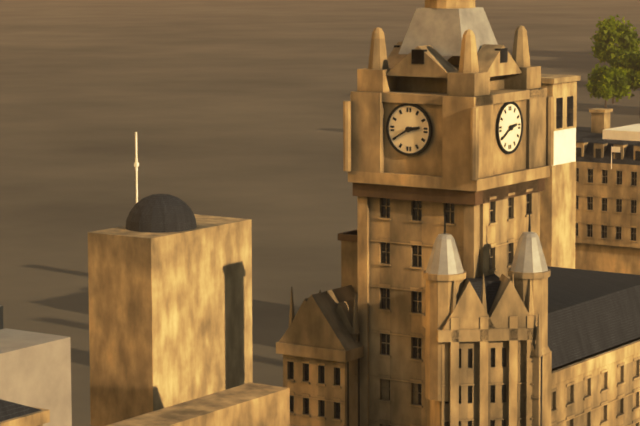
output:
2:40
